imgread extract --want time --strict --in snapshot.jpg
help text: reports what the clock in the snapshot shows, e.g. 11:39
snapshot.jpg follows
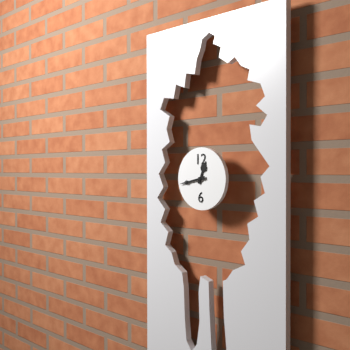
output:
12:43
